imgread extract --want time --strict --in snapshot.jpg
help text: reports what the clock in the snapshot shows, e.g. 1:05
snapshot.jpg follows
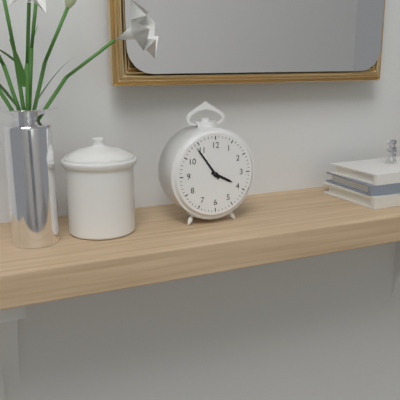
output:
3:54
